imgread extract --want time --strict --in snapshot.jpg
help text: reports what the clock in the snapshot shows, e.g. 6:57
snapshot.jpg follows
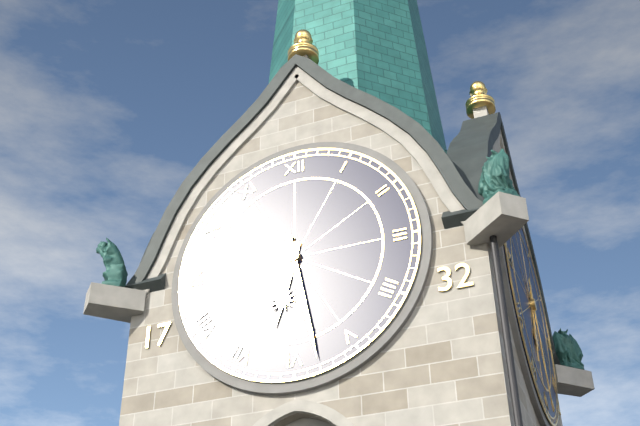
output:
6:28
